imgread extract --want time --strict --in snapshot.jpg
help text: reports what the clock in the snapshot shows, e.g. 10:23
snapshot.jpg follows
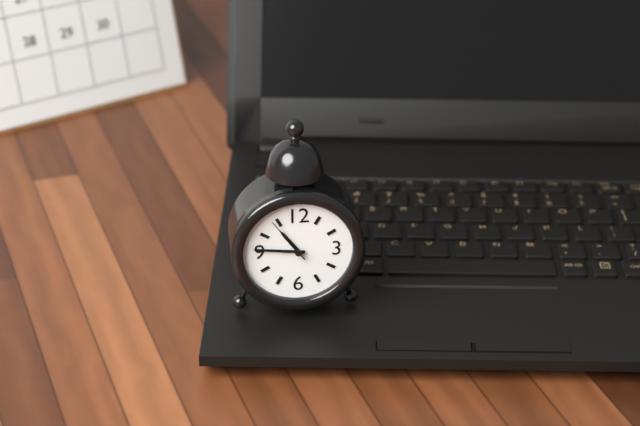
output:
10:46
